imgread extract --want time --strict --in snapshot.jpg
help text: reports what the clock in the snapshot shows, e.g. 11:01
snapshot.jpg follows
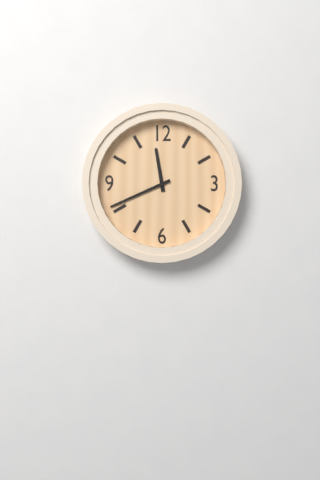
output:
11:41
